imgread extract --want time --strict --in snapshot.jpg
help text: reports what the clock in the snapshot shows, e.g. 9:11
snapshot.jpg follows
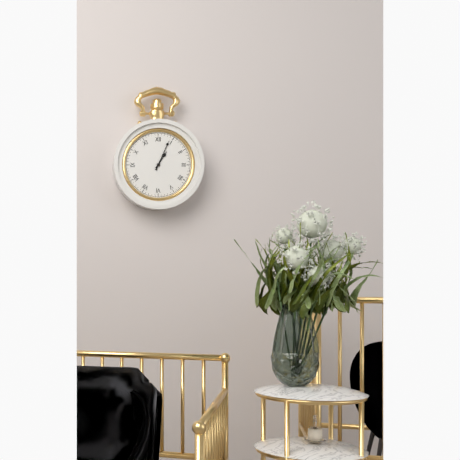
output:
1:04
